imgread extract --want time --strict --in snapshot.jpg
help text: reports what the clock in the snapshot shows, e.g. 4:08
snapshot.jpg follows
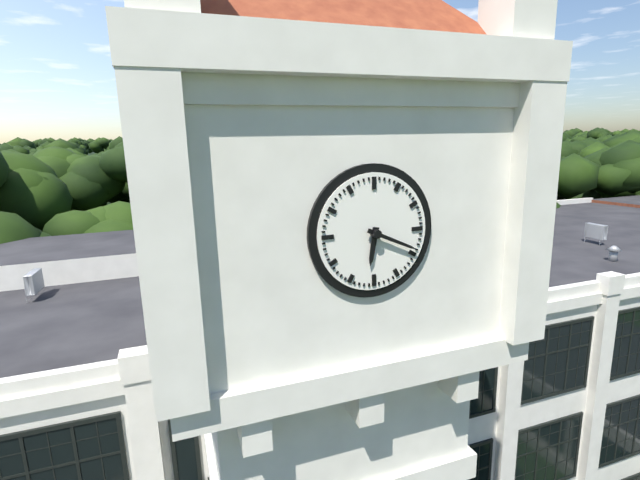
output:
6:19
